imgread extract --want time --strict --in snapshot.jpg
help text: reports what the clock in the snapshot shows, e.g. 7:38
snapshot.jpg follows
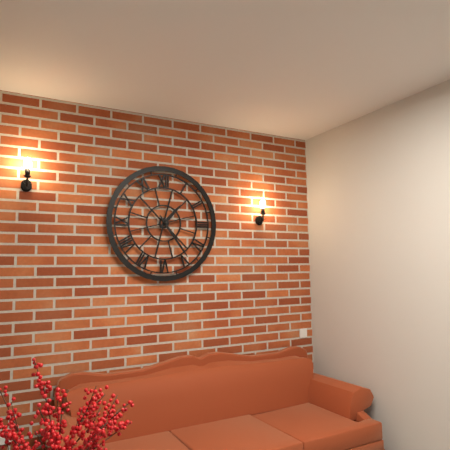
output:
1:24
